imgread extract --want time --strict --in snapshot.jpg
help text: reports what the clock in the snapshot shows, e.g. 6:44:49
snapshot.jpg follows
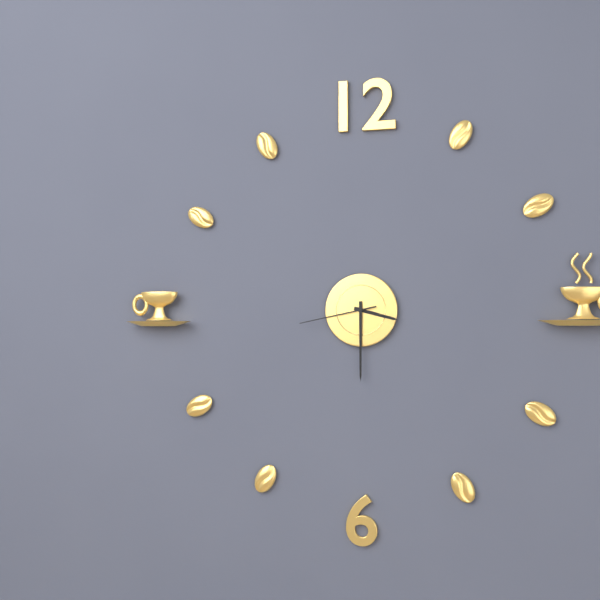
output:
3:30:43
